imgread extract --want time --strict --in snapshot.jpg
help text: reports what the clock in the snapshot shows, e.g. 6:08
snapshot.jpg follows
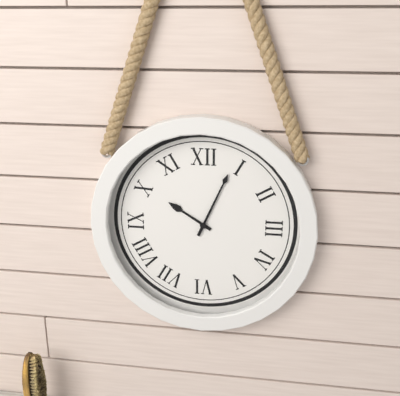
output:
10:04
